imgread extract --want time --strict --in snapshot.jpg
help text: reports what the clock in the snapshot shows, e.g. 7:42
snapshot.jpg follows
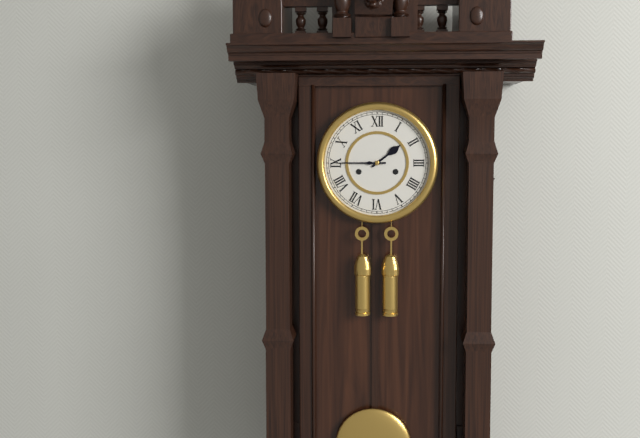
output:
1:45
